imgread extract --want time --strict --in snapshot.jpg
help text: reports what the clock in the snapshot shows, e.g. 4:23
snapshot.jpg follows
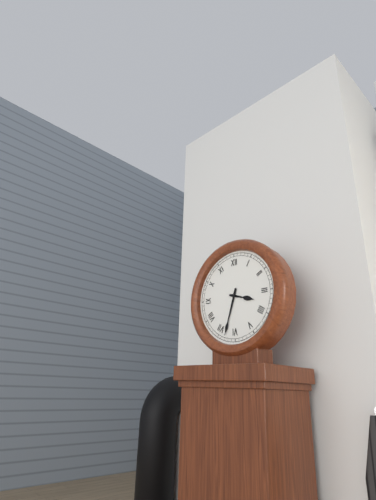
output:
3:33
